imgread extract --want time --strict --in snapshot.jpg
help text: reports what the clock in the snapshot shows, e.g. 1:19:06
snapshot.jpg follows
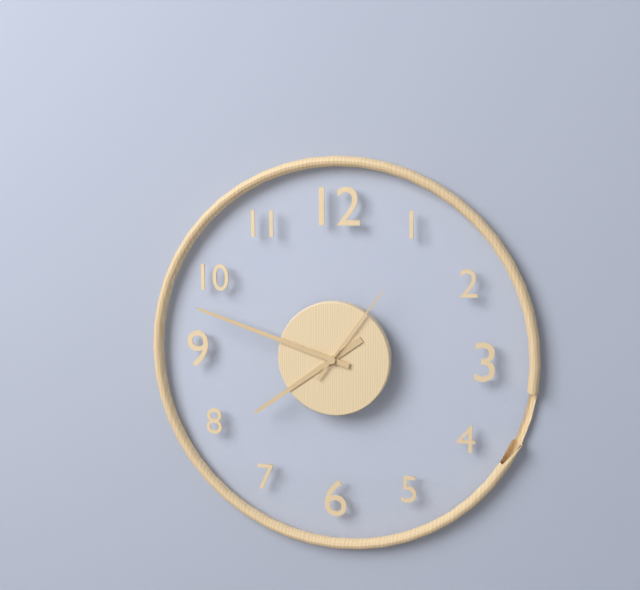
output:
7:48:06
